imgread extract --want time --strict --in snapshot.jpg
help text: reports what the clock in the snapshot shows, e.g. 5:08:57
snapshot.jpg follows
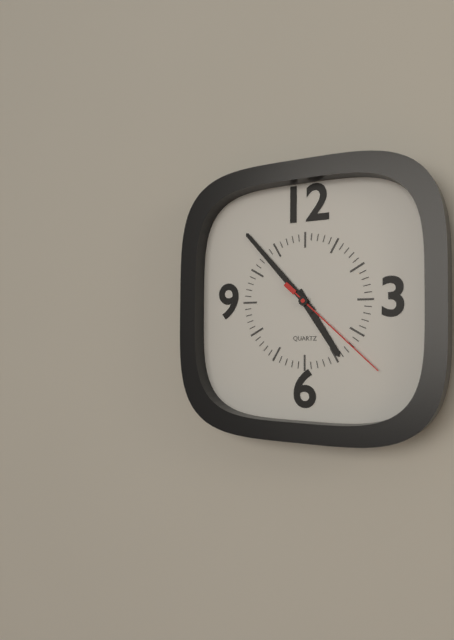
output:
4:53:22
